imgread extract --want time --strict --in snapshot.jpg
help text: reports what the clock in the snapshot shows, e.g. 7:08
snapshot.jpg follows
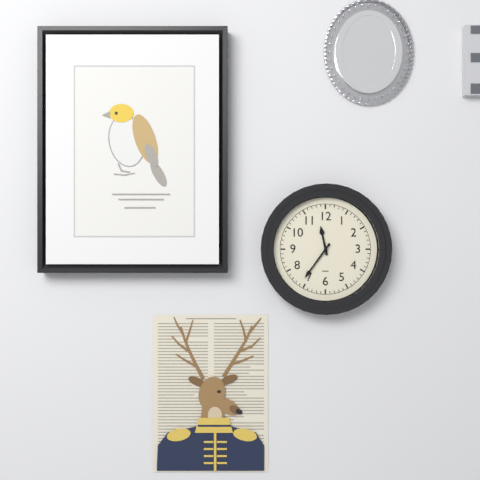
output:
11:36
